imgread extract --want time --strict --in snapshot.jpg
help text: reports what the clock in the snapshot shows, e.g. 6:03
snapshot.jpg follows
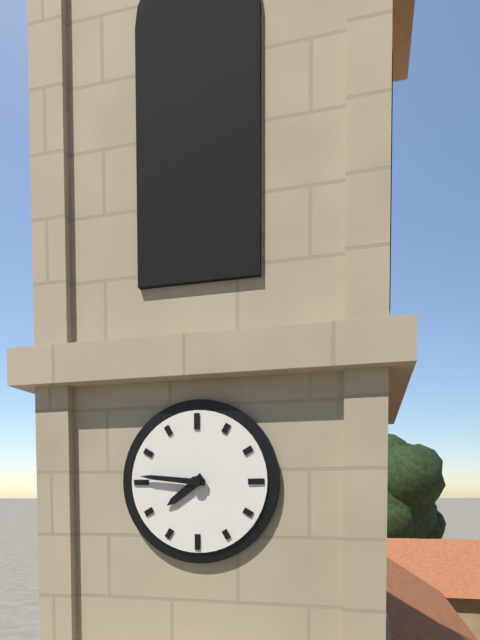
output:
7:46
